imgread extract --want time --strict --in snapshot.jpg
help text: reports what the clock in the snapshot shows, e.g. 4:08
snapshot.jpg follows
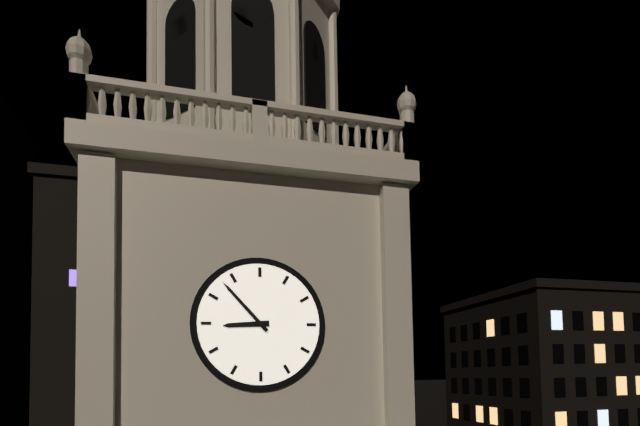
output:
8:53
